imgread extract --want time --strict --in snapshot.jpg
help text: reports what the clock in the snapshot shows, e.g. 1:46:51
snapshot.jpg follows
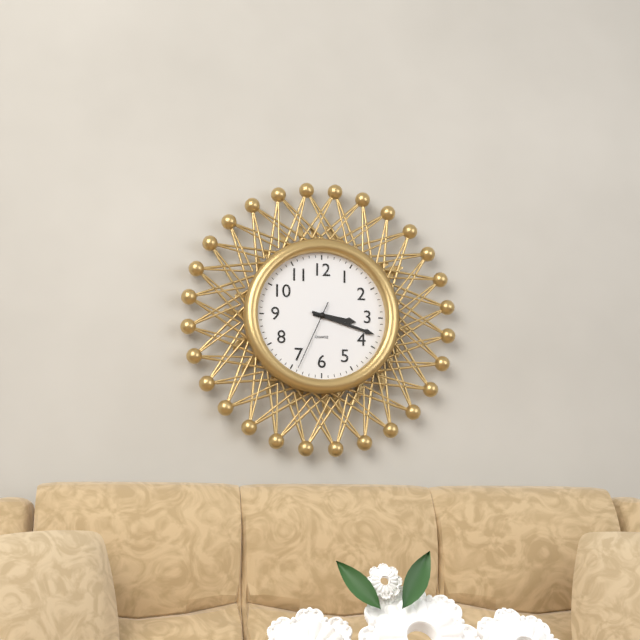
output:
3:18:34
